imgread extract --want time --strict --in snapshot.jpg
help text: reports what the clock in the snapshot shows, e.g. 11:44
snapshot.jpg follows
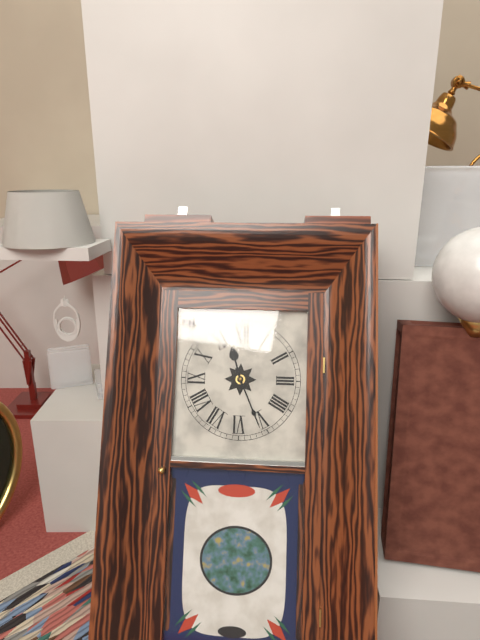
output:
11:26
